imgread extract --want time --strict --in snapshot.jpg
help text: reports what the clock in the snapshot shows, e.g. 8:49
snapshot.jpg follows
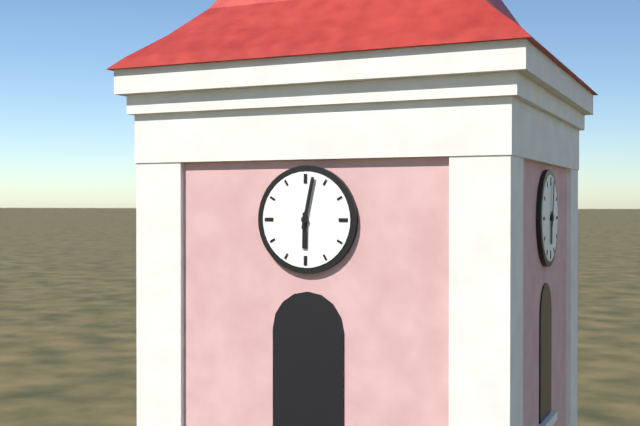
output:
6:02
